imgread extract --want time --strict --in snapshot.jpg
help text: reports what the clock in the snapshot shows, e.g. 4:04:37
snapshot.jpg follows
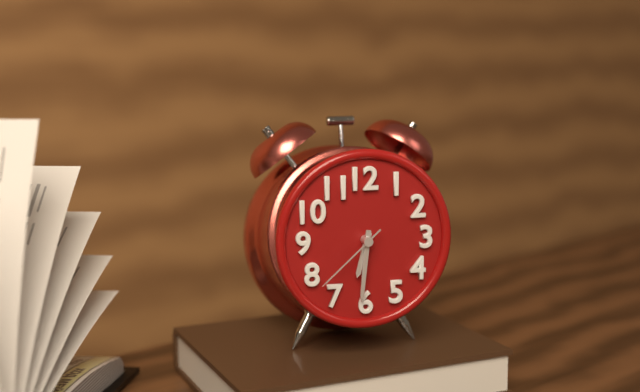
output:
6:31:38
